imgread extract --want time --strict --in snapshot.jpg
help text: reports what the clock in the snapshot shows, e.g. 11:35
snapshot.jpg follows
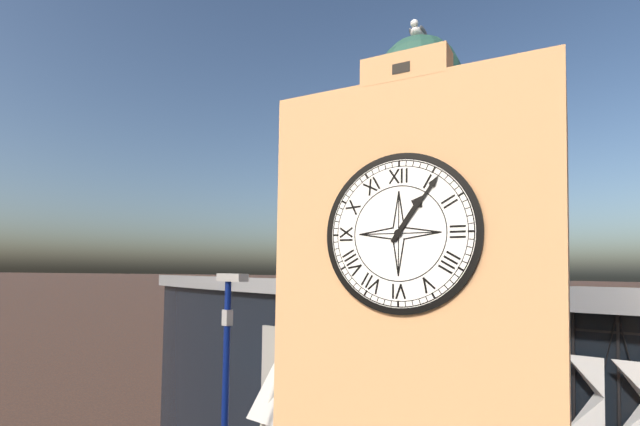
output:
1:06
